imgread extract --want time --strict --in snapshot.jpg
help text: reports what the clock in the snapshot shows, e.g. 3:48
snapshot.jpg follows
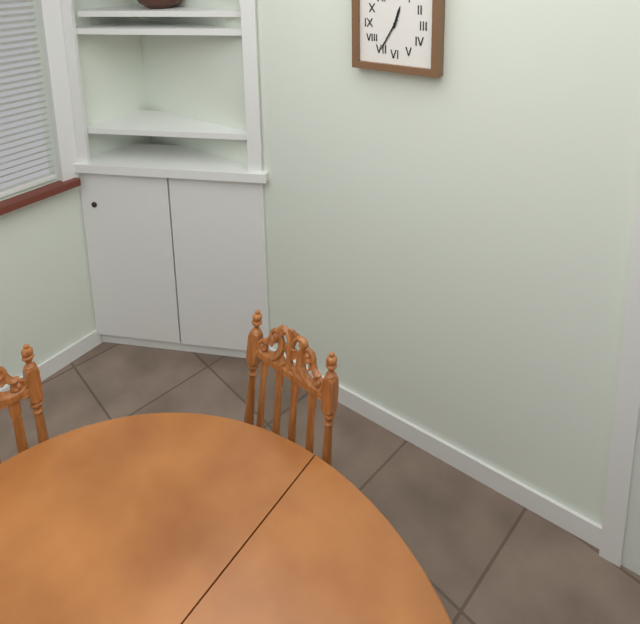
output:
12:35
